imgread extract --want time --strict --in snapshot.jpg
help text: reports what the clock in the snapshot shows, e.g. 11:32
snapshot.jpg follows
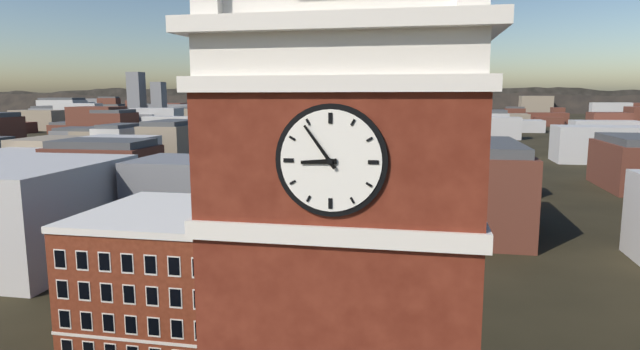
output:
8:54
